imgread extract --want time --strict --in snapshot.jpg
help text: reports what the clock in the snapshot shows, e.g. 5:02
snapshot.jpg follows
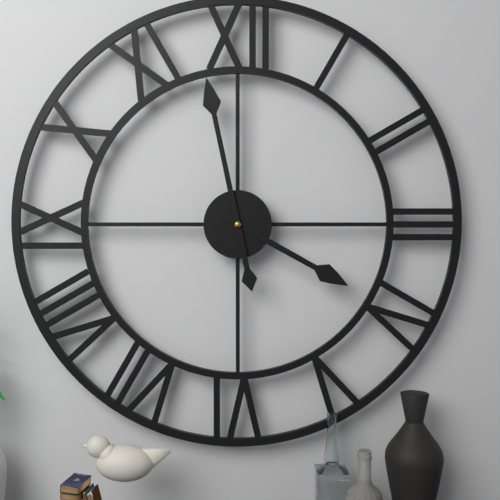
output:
3:58
